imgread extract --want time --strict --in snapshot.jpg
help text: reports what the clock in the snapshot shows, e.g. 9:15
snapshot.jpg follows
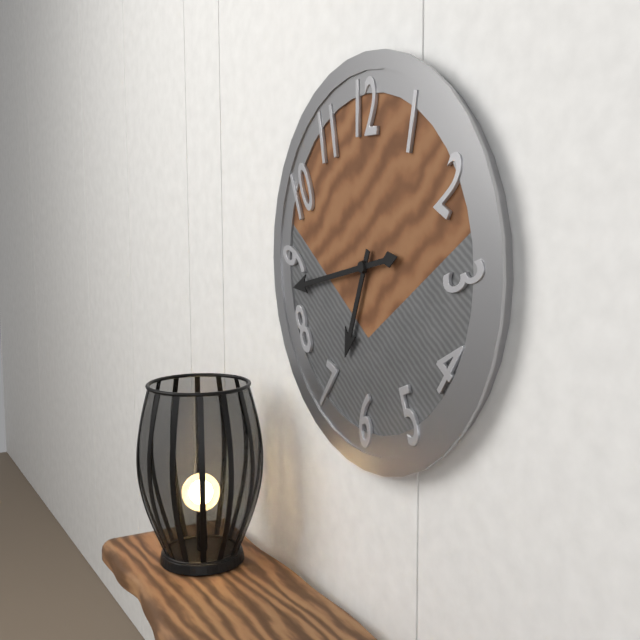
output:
6:43
